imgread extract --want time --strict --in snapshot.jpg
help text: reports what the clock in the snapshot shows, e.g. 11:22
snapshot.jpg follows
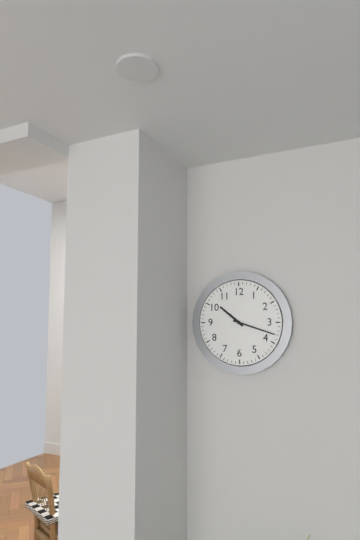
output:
10:18
